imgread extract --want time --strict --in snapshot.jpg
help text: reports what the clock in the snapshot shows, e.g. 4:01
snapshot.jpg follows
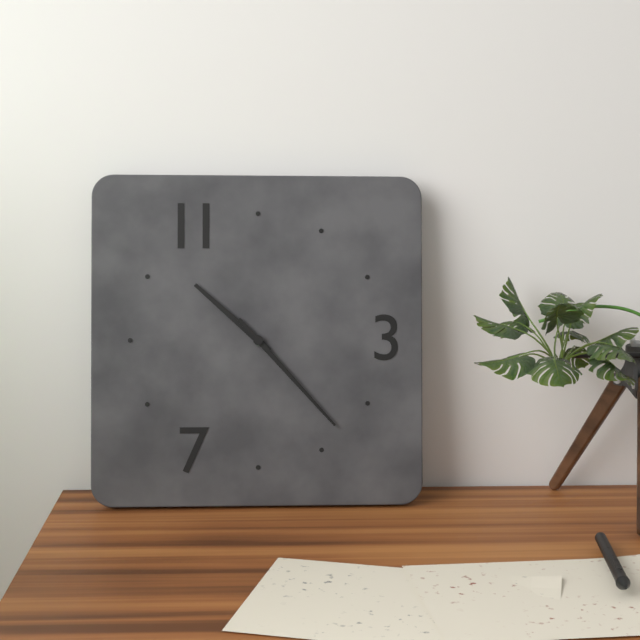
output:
10:23
